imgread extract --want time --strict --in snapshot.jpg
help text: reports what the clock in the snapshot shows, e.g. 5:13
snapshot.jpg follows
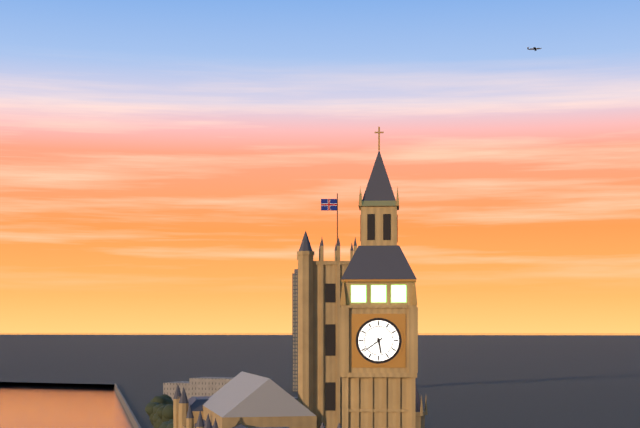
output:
5:39
